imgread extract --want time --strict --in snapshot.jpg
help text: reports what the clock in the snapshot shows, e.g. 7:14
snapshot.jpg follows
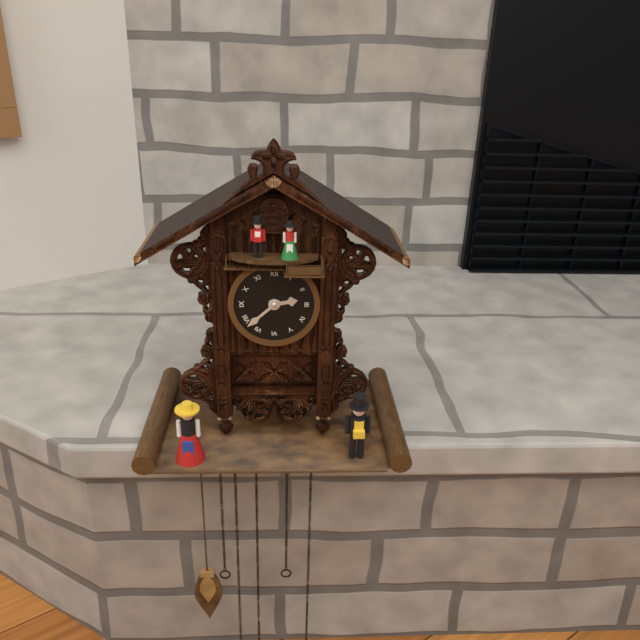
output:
2:38
